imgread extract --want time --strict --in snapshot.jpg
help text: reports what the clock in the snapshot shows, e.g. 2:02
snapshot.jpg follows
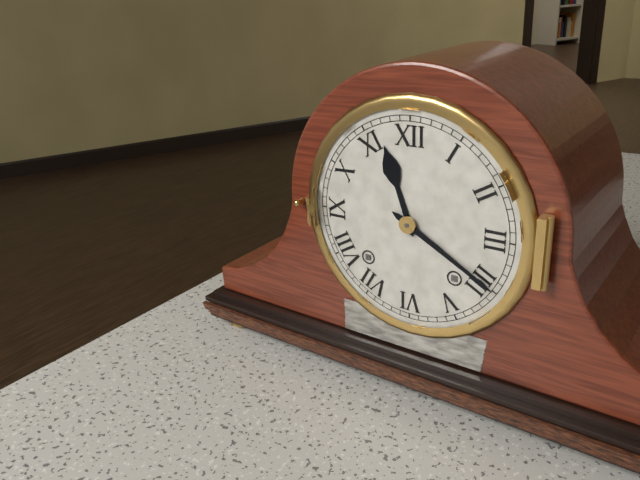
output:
11:20
